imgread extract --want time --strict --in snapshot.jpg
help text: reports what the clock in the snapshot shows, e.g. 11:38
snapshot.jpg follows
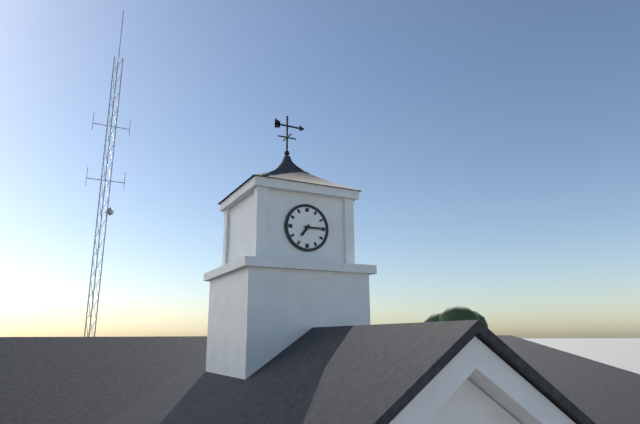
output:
7:15
